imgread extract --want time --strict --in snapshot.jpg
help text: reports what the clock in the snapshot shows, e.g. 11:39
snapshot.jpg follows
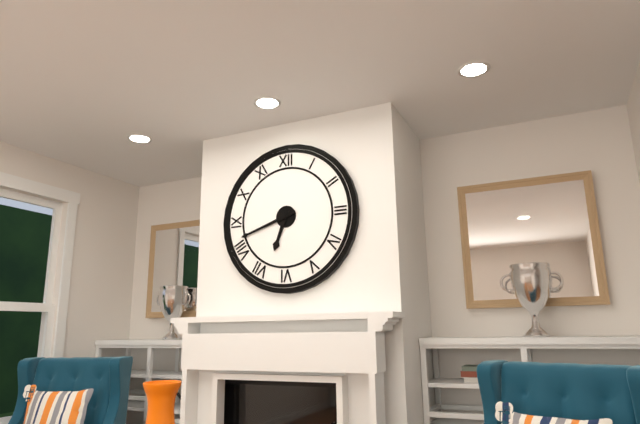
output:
6:42
